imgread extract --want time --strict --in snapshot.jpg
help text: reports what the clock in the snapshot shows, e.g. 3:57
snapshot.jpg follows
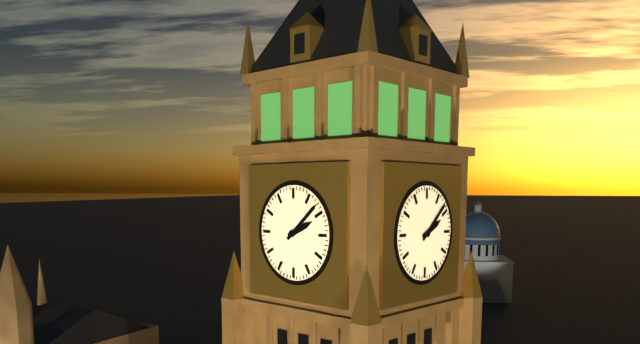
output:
2:08
